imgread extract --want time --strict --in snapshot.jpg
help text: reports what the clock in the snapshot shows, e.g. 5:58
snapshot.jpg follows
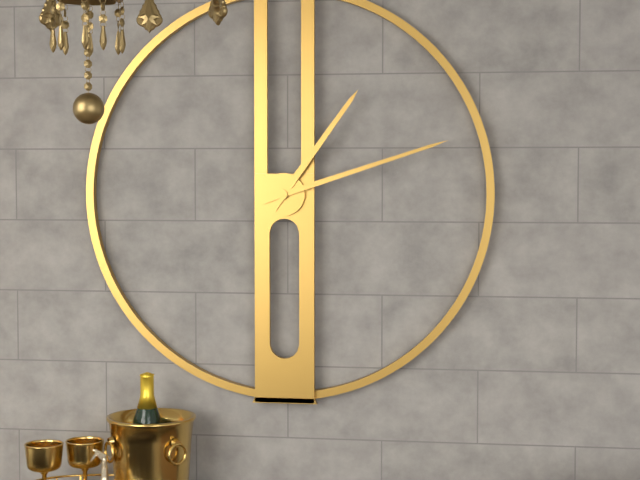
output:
1:12
